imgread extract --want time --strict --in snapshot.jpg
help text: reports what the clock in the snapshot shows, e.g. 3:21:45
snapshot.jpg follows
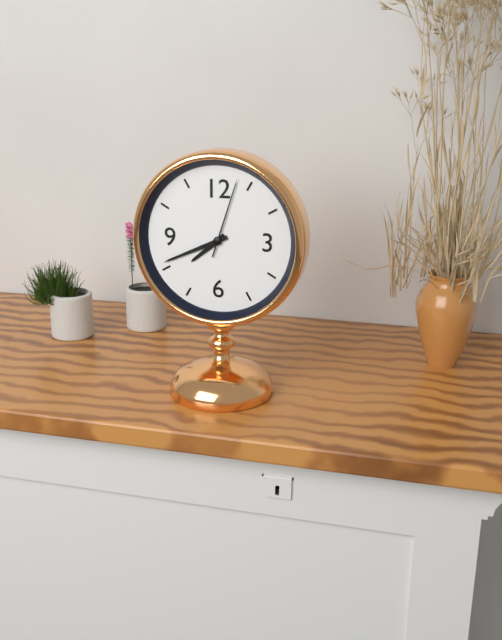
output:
7:41:03
